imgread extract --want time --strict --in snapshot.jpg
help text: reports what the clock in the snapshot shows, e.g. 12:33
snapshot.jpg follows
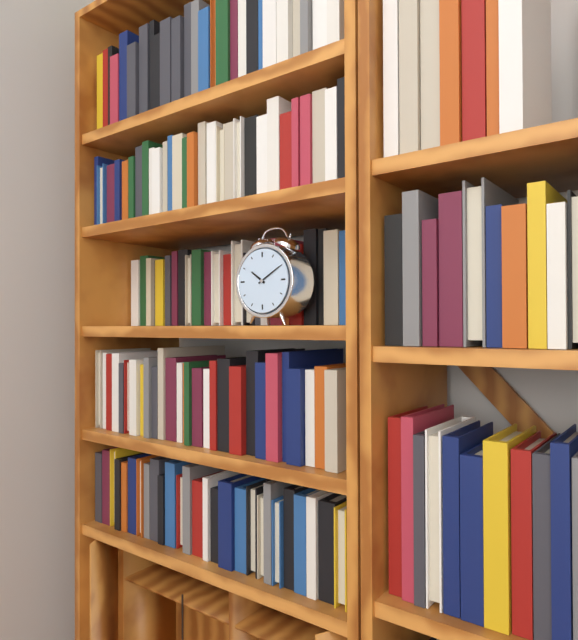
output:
10:10
